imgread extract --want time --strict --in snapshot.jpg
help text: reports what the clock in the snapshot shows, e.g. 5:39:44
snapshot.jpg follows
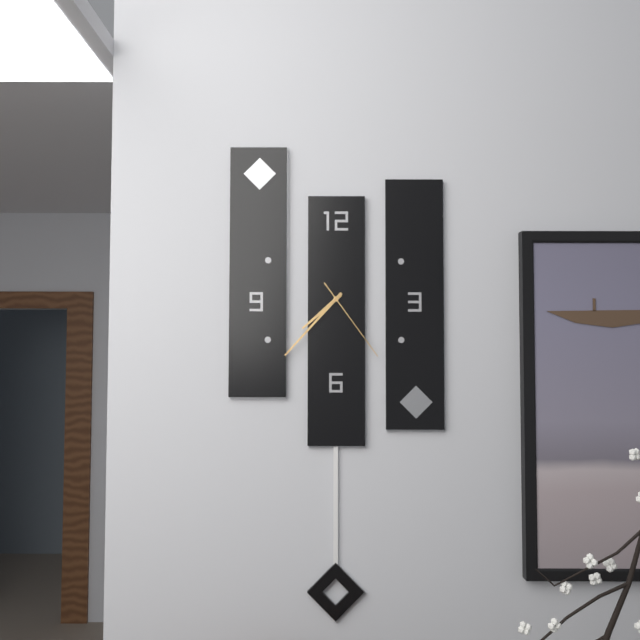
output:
7:37:24
